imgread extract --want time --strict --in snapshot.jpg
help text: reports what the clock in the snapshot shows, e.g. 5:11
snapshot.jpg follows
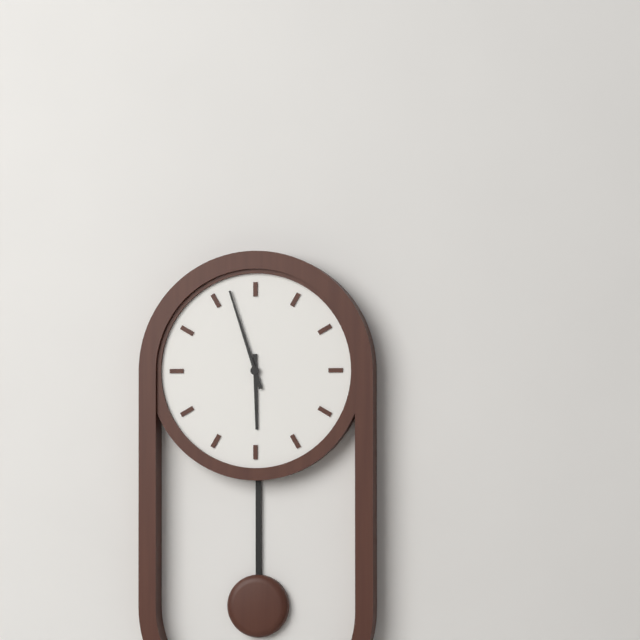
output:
5:57
